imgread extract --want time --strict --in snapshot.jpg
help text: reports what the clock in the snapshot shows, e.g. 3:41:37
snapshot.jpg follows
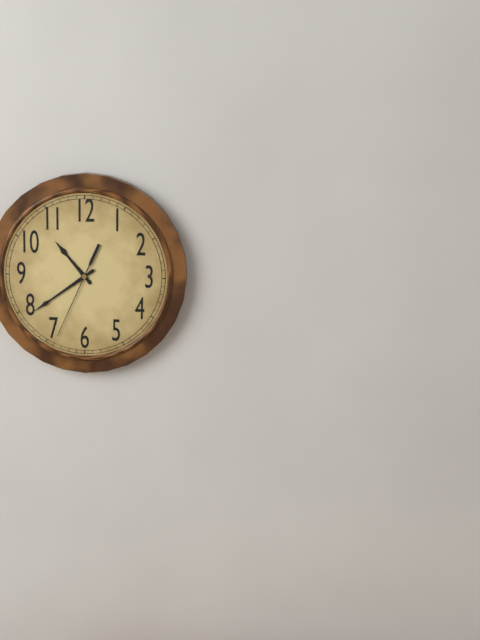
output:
10:39:34
